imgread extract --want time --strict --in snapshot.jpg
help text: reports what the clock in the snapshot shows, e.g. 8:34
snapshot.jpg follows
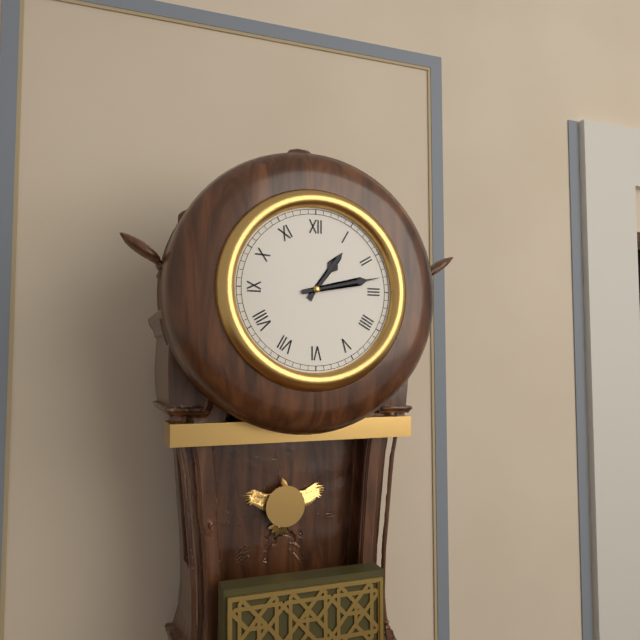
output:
1:13
